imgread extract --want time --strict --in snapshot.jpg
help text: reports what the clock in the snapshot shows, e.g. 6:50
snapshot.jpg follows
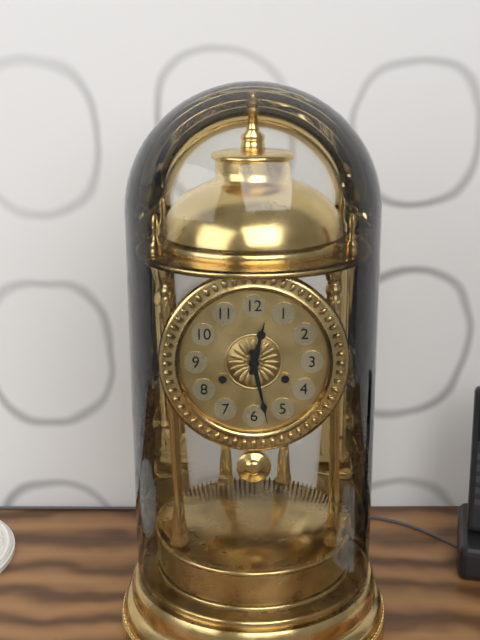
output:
12:28
